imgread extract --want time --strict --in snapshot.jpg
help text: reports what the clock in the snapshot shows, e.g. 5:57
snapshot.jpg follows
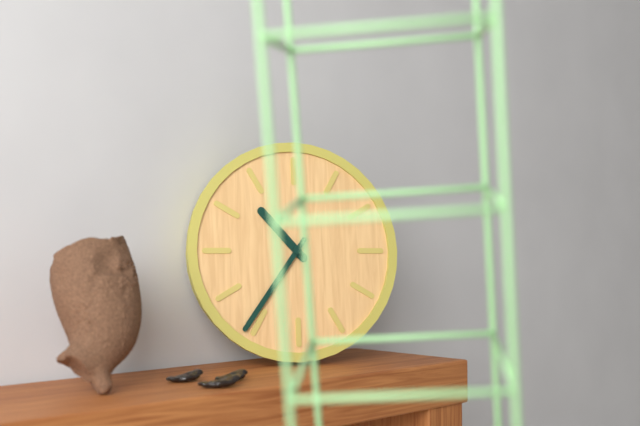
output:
10:36
